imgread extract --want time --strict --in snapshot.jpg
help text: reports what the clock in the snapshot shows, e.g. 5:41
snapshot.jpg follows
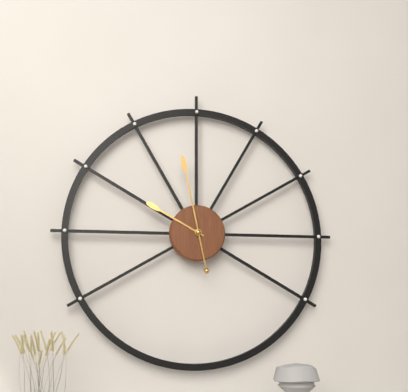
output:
9:58
